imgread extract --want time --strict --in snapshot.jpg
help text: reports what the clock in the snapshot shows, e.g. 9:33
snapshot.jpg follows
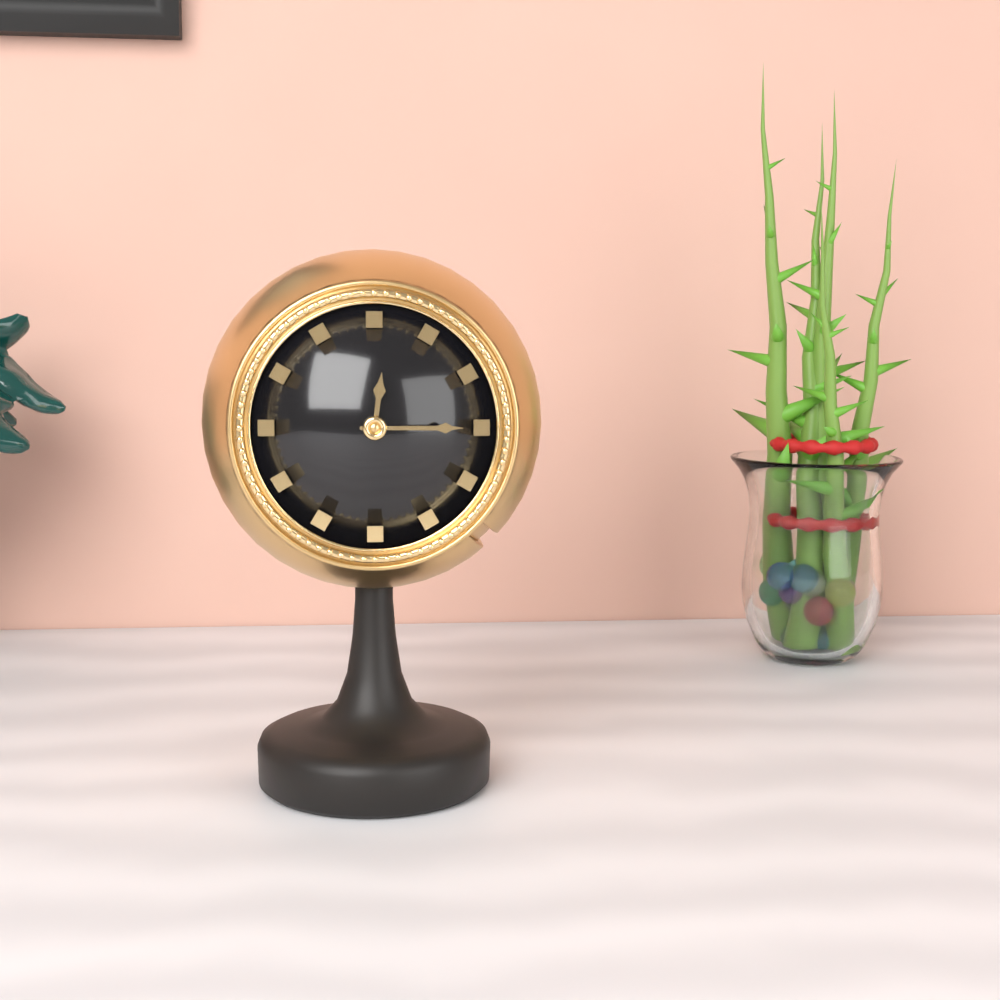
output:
12:15
